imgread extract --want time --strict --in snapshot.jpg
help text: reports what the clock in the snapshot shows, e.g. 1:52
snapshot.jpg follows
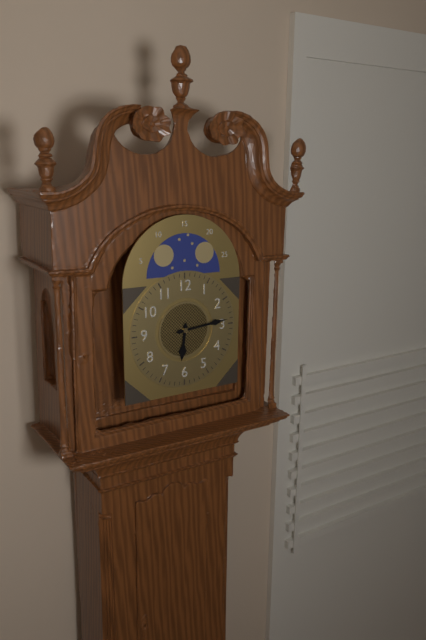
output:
6:14
